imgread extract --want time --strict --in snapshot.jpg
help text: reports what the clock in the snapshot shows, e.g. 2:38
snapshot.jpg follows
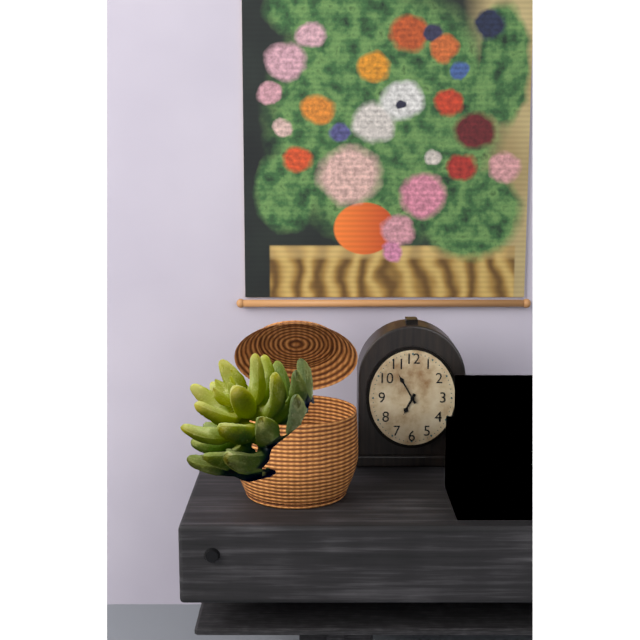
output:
6:55
